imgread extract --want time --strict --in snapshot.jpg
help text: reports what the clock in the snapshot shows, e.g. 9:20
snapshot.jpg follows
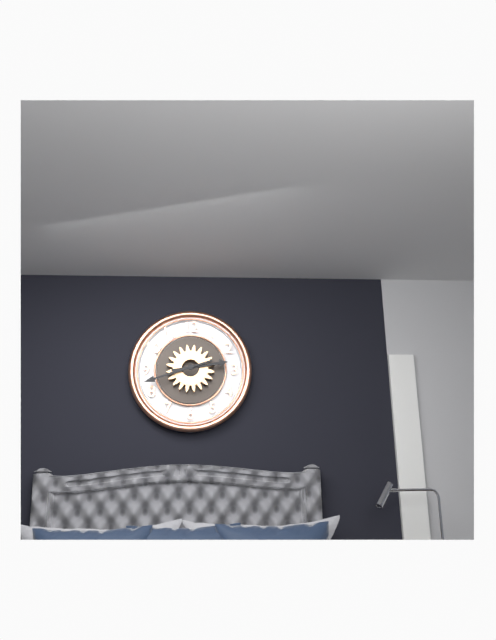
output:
2:42
